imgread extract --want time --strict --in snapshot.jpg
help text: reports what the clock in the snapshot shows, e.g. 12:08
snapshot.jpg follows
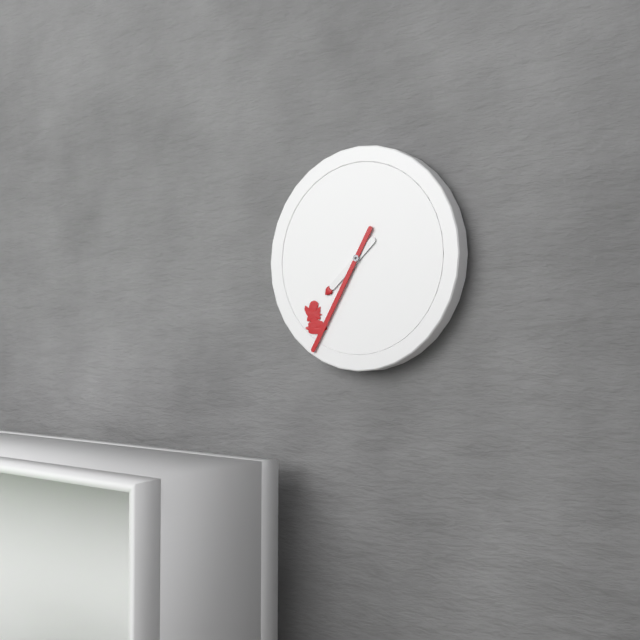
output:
7:35
